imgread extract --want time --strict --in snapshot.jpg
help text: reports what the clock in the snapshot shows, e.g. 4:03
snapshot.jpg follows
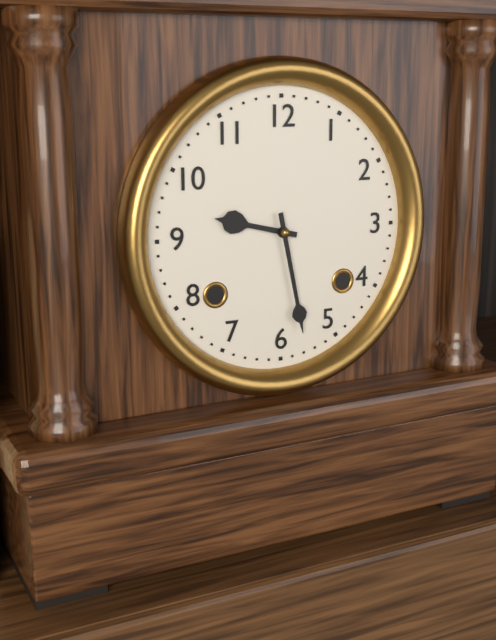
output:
9:28
